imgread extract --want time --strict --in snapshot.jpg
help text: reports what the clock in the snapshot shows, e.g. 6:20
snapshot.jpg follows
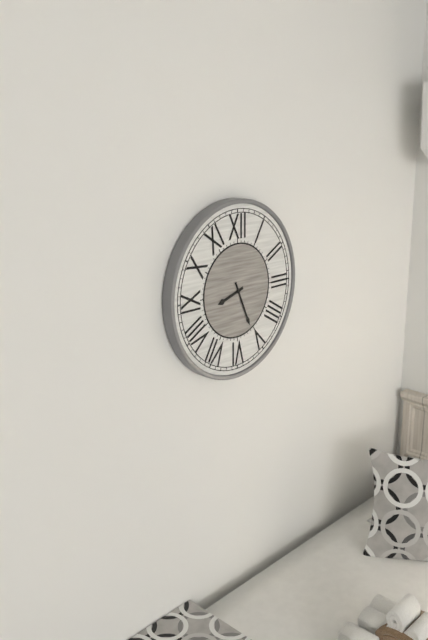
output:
8:26
